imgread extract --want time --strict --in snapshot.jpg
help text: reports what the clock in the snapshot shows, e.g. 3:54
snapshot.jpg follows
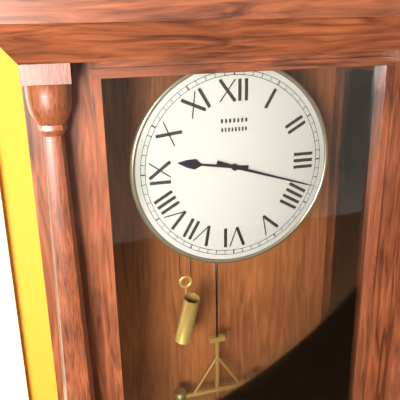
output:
9:18
